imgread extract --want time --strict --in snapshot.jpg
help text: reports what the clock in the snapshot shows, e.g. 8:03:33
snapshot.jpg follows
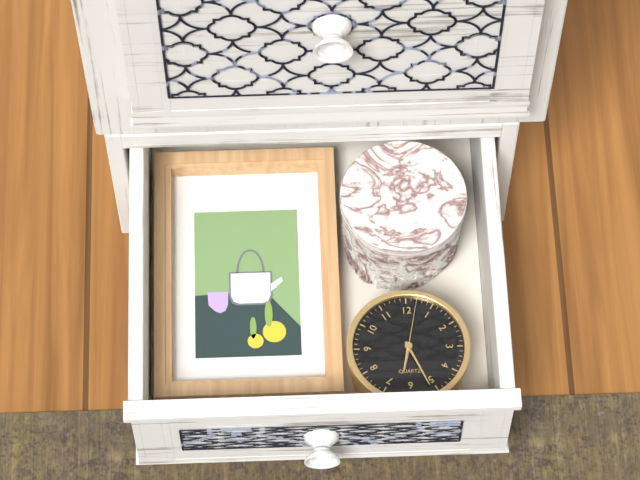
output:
6:26:02
